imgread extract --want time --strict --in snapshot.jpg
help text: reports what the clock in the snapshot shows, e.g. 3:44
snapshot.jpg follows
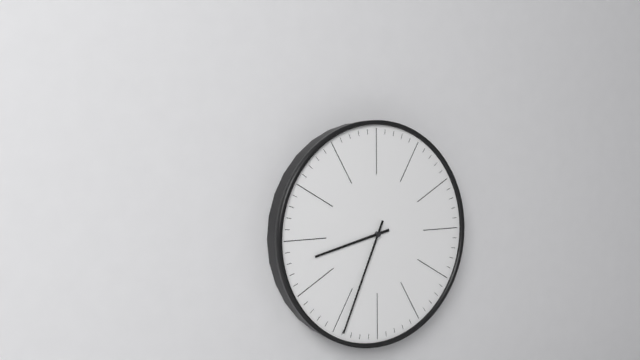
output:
8:34
